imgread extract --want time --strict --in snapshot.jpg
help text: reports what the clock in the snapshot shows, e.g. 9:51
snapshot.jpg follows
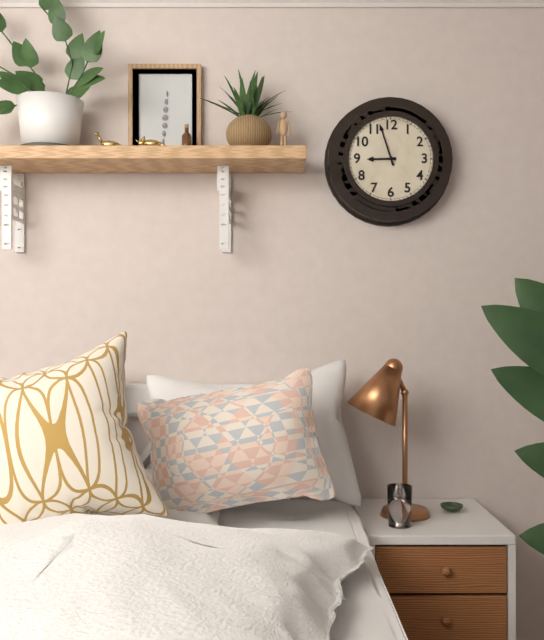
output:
8:57
